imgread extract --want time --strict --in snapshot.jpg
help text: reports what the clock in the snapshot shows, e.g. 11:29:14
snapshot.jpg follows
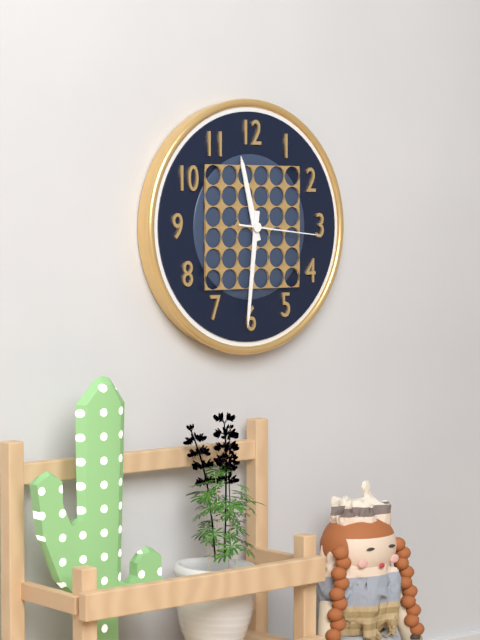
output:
11:31:16
